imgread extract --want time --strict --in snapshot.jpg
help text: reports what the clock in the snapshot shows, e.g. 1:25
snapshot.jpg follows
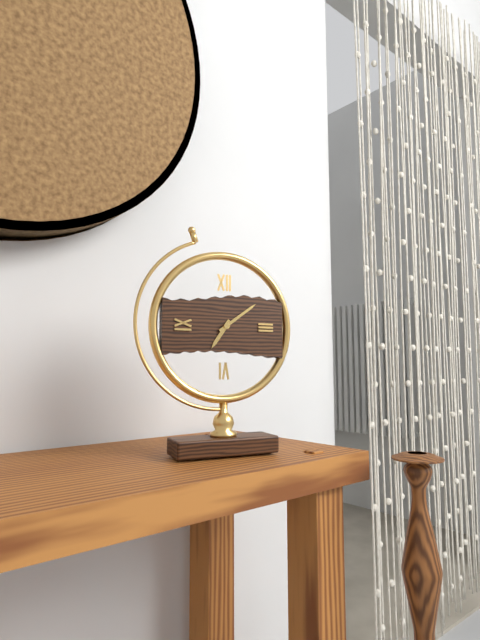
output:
7:09
